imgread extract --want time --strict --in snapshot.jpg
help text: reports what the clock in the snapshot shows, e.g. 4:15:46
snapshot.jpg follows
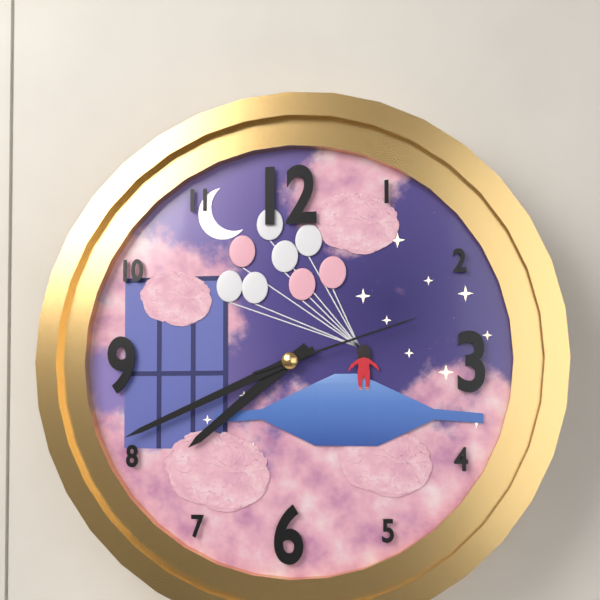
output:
7:41:12
